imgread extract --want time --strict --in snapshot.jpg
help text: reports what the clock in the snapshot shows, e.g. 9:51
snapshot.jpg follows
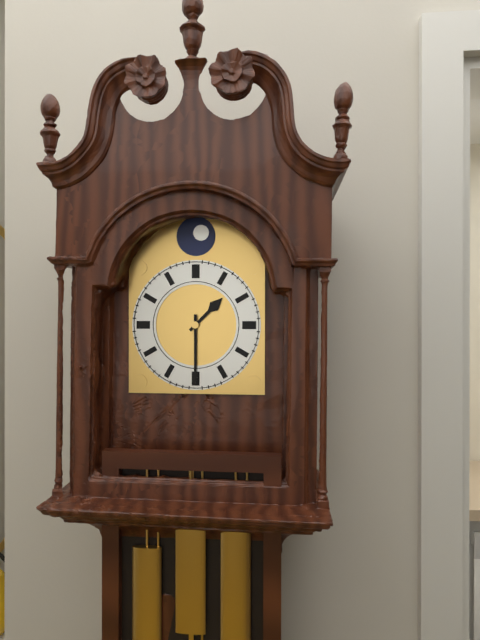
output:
1:30
